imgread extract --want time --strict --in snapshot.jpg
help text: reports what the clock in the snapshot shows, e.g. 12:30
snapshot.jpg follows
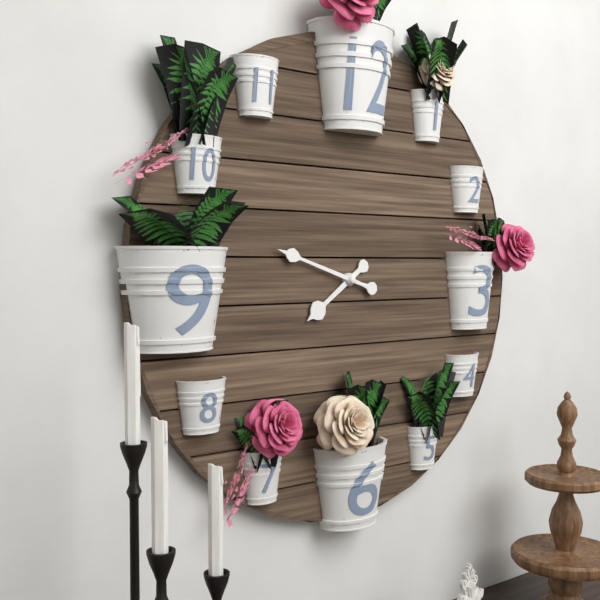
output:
7:48
